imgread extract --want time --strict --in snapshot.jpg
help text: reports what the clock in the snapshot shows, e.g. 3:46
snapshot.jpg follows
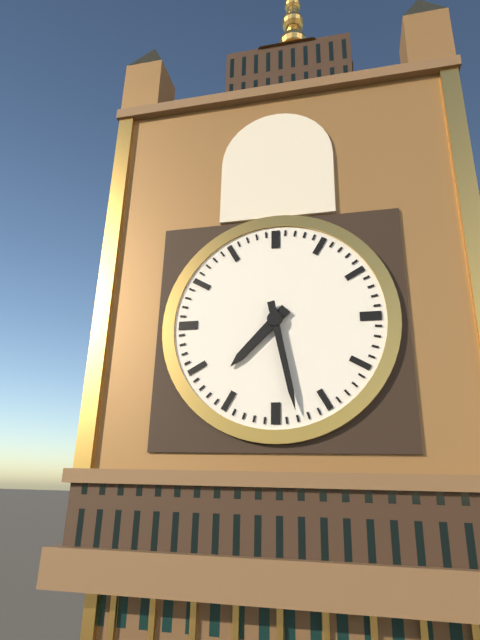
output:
7:28
